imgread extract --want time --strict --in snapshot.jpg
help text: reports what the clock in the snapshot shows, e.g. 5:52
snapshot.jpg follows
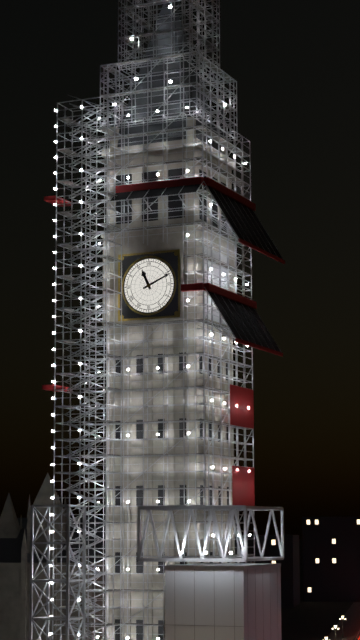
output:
11:11
